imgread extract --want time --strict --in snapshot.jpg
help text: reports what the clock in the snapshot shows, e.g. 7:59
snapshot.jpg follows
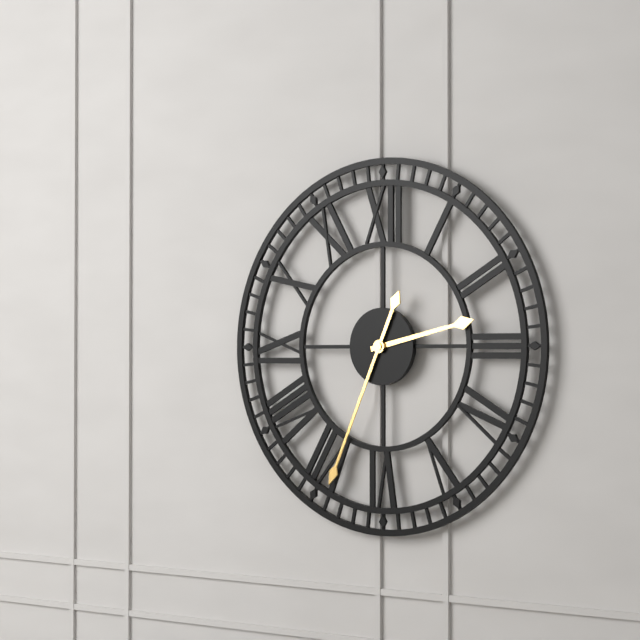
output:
2:34
